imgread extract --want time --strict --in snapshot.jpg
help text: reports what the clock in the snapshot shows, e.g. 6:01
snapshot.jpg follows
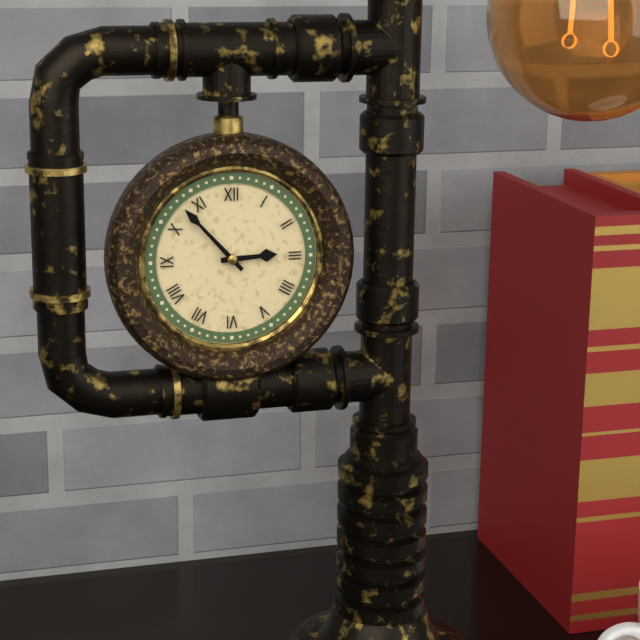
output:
2:53
